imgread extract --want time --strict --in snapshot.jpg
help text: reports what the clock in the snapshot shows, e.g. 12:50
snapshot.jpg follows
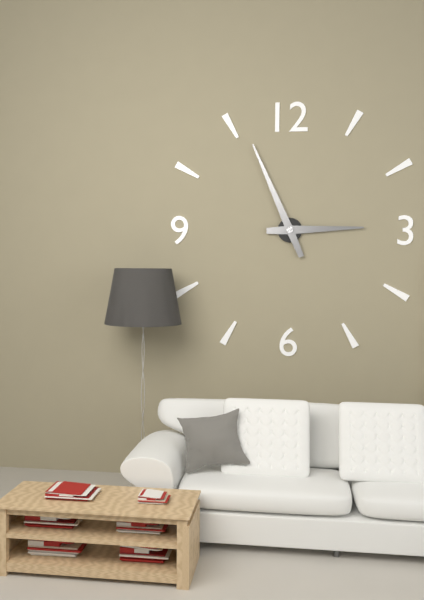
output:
2:56
